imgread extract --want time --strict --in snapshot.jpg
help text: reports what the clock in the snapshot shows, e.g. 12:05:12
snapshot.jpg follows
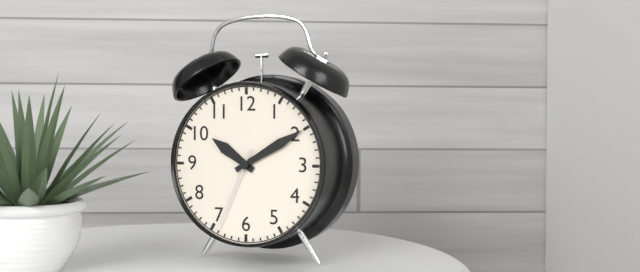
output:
10:10:34
